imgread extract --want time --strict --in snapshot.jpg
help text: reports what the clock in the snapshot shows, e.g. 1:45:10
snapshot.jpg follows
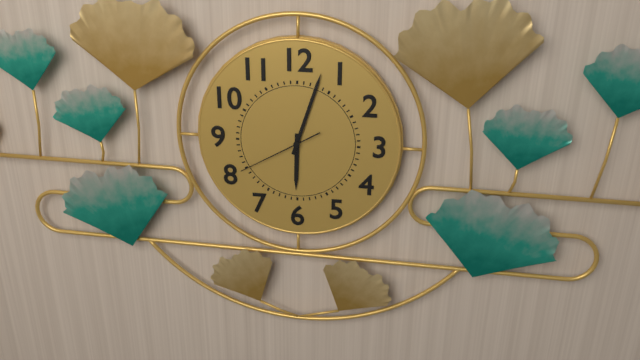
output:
6:03:40
